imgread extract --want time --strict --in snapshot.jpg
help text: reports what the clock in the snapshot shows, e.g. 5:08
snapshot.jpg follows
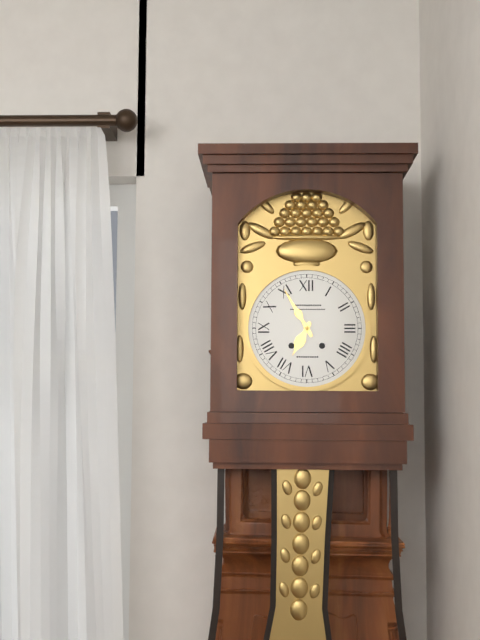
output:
6:55
